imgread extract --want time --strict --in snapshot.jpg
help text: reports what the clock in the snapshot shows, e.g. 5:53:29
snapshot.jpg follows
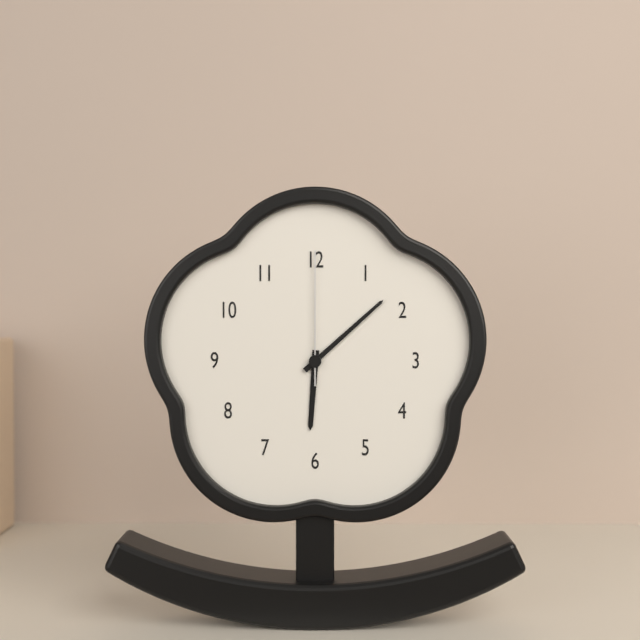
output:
6:08:00
